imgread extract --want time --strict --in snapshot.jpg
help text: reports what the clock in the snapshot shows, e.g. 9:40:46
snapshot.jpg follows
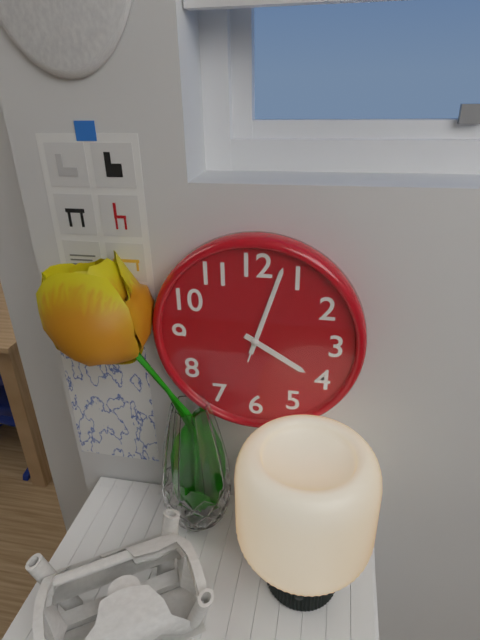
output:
4:03:03
